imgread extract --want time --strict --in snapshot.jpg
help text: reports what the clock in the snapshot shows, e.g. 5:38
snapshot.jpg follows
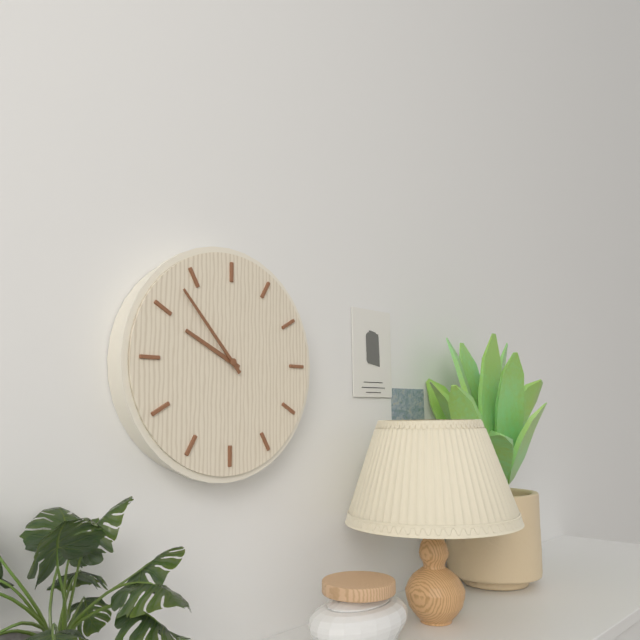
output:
9:53
